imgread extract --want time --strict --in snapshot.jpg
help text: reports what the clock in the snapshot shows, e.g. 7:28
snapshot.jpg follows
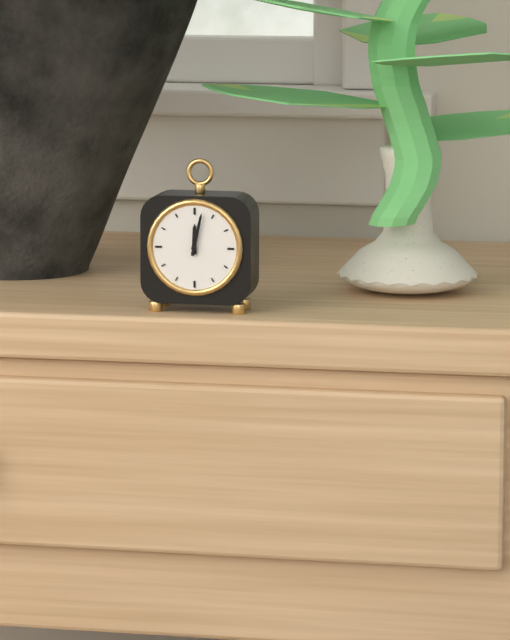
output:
12:02
